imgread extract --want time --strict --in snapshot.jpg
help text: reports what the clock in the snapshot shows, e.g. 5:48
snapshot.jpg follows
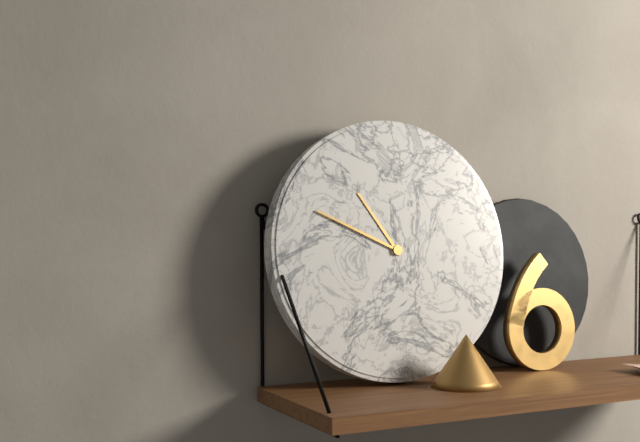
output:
10:49
